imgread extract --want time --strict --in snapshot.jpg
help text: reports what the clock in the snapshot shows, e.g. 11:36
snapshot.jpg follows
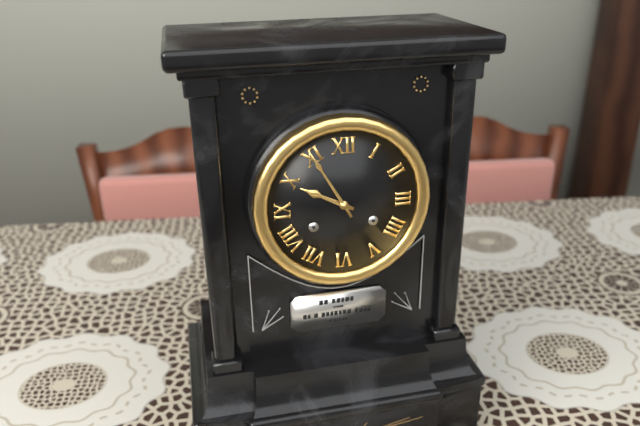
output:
9:55
